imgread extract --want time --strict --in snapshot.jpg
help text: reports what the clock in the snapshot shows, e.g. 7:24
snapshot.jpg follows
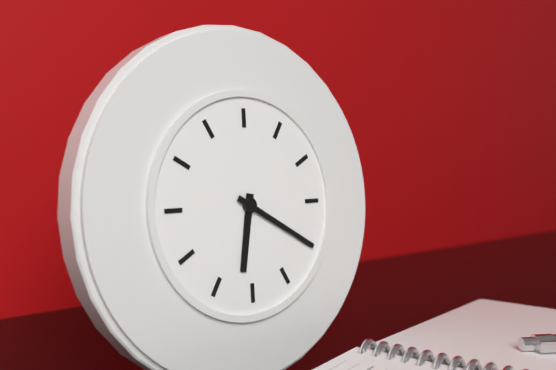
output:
6:20
